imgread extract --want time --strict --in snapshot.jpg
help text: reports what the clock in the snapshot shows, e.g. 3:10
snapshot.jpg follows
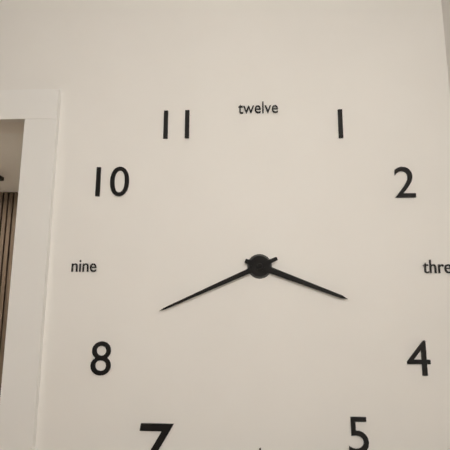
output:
3:41
